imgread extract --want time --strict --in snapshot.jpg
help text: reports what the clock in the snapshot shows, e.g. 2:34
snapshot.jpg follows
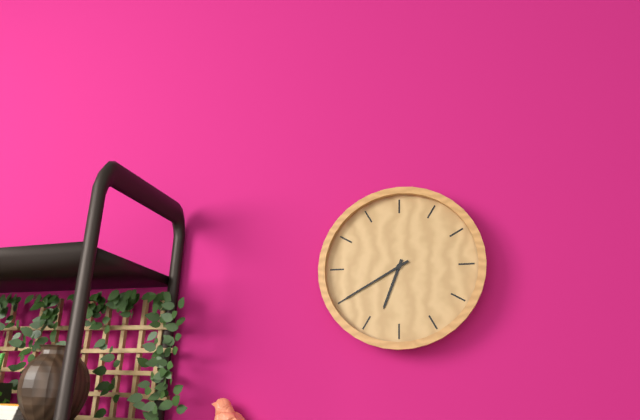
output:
6:40
